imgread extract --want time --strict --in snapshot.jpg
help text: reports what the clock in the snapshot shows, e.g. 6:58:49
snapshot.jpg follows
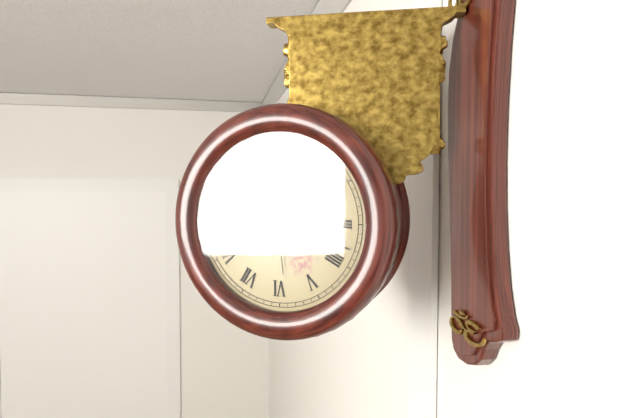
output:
4:18:29
